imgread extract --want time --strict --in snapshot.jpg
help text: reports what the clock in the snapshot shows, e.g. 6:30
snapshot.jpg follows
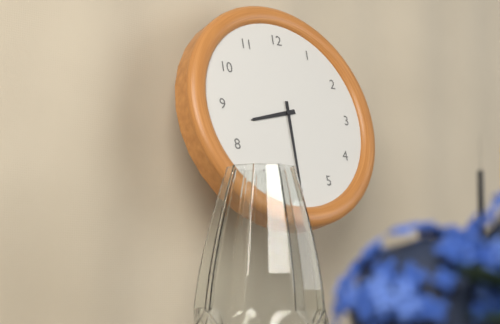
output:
8:30
